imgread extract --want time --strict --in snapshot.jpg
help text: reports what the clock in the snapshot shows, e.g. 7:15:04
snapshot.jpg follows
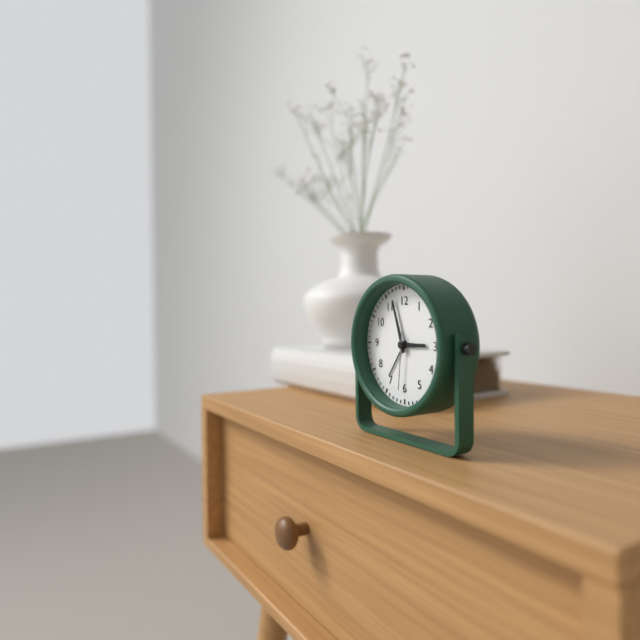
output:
2:57:31
